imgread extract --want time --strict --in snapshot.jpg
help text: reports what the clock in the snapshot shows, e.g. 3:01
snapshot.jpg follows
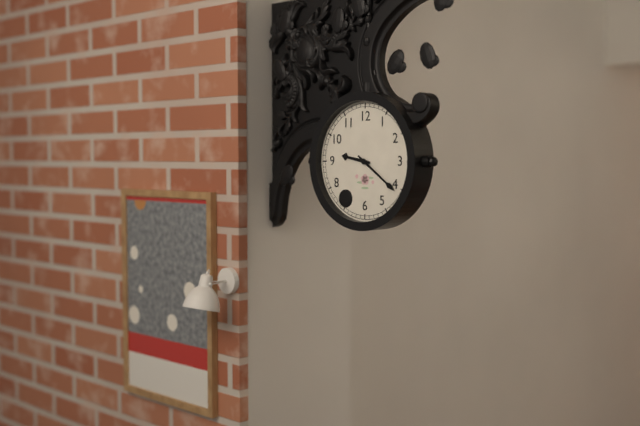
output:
9:21
